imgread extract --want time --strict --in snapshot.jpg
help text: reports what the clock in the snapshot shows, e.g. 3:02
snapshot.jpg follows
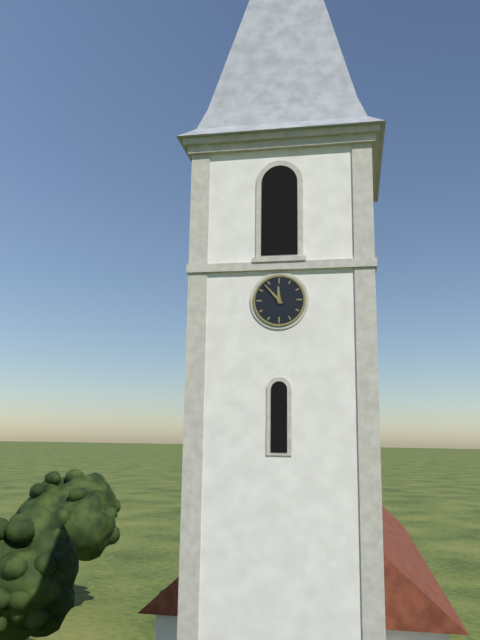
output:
11:53
